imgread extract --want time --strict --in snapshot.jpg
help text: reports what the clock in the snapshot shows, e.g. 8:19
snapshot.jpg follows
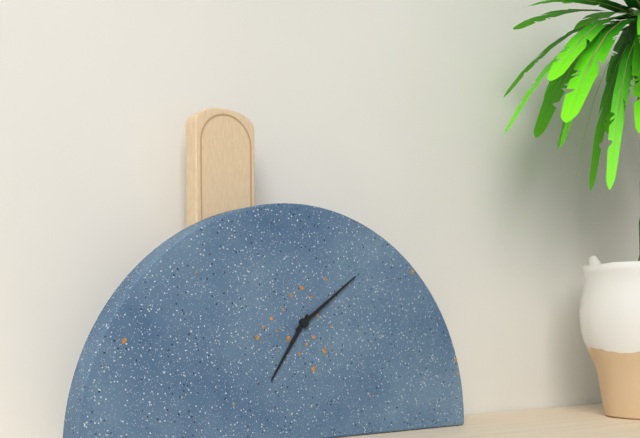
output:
7:09
